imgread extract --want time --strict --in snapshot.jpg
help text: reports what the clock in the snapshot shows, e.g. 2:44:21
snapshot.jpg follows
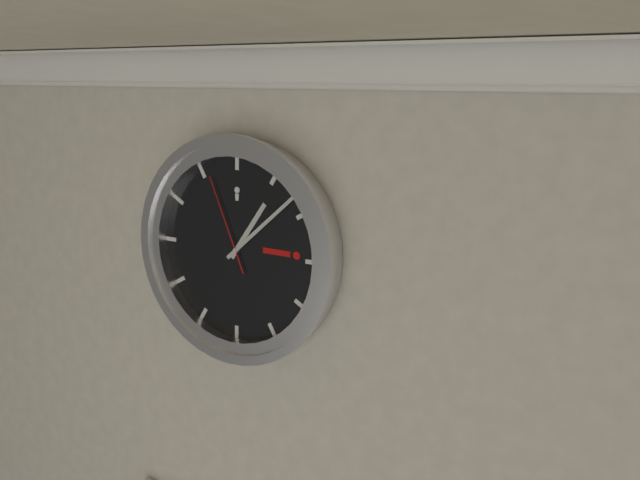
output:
1:08:56
